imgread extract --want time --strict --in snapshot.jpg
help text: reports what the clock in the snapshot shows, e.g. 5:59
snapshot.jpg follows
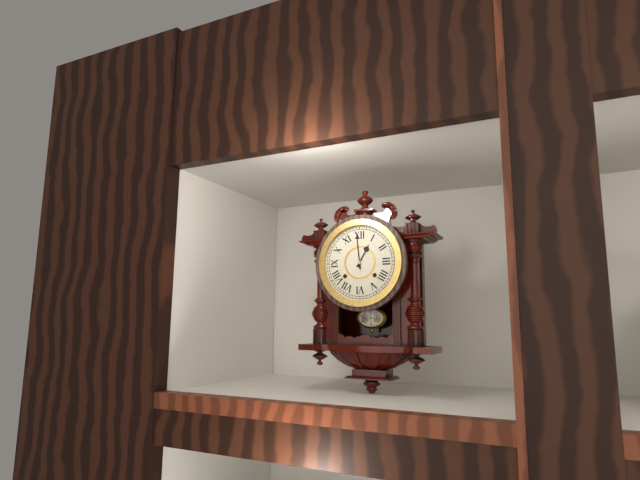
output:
12:59
